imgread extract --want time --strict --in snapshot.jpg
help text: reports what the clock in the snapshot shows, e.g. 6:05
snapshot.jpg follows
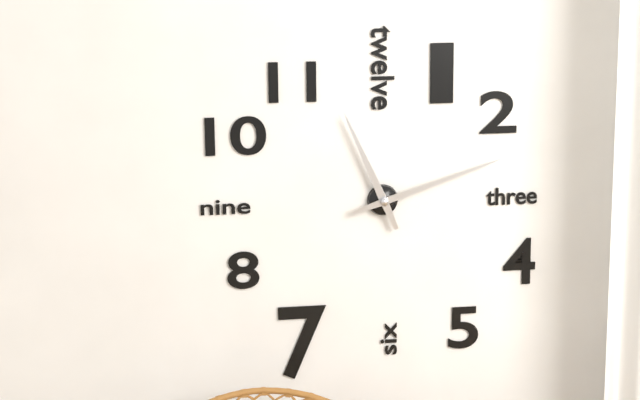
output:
11:12
